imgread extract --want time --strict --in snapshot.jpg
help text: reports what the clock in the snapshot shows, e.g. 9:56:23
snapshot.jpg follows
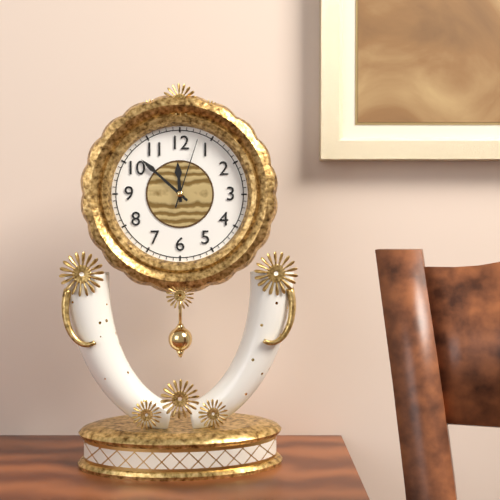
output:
11:52:03
